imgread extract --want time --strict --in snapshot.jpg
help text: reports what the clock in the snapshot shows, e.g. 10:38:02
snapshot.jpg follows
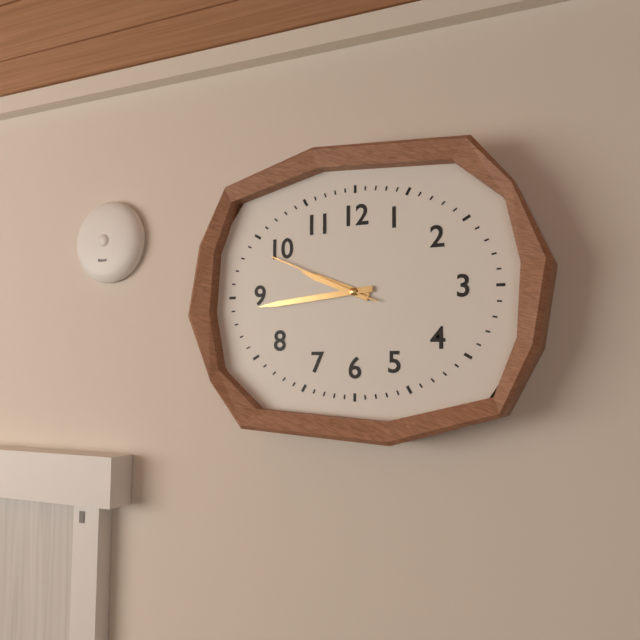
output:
9:44:49
